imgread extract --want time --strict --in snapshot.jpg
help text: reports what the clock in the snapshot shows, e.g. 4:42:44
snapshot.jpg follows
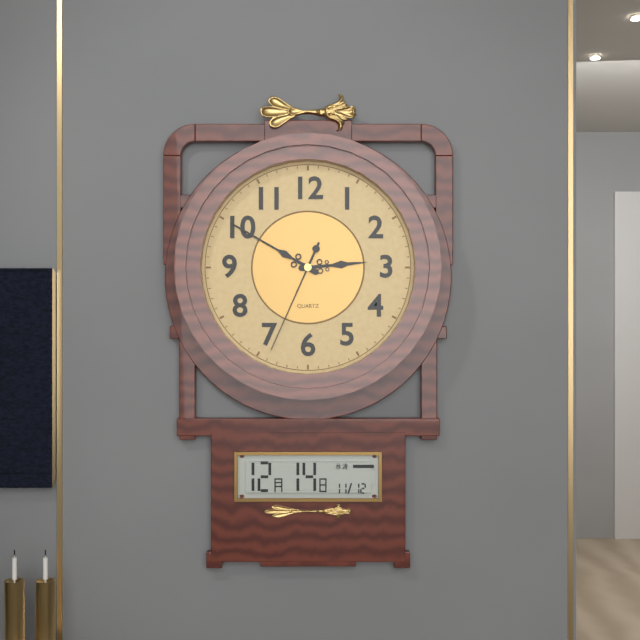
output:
2:50:34
